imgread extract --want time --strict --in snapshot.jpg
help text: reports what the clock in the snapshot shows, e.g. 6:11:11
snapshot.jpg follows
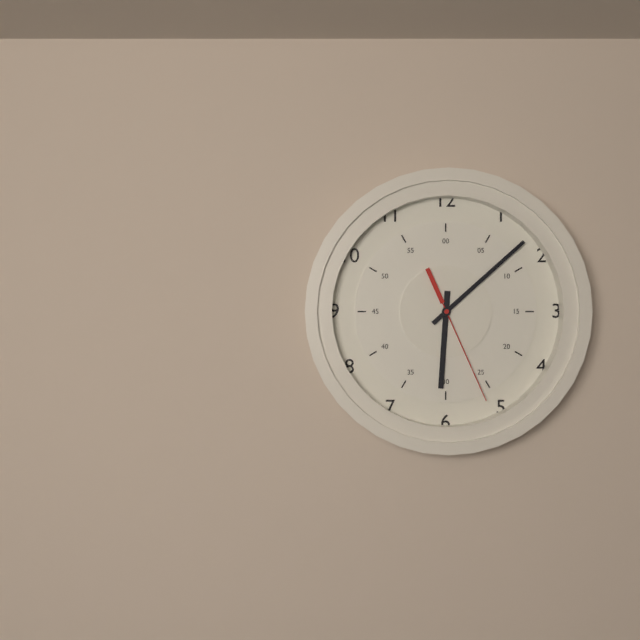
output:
6:08:26
